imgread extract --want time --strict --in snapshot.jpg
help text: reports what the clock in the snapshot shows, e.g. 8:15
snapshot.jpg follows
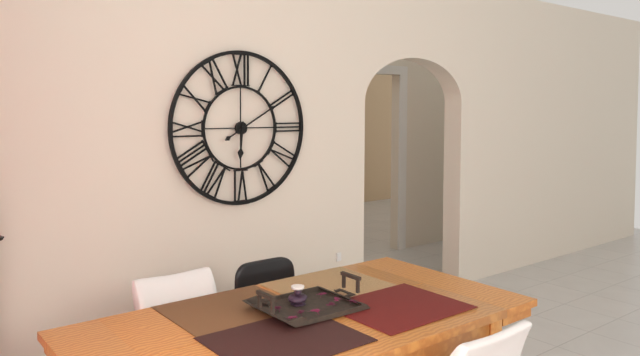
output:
6:10
